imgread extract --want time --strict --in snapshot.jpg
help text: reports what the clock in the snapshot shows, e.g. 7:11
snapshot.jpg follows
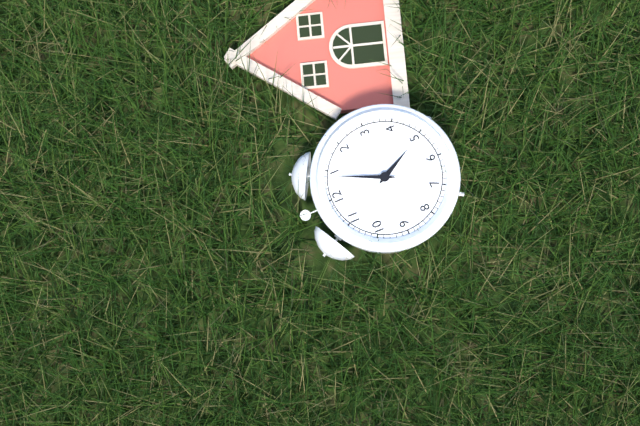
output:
5:04
